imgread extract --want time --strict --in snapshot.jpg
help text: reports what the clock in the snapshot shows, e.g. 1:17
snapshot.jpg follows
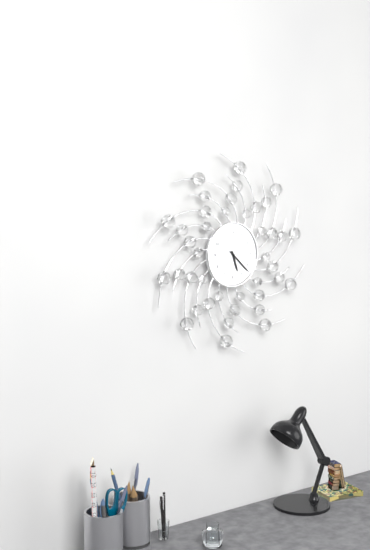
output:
5:22
